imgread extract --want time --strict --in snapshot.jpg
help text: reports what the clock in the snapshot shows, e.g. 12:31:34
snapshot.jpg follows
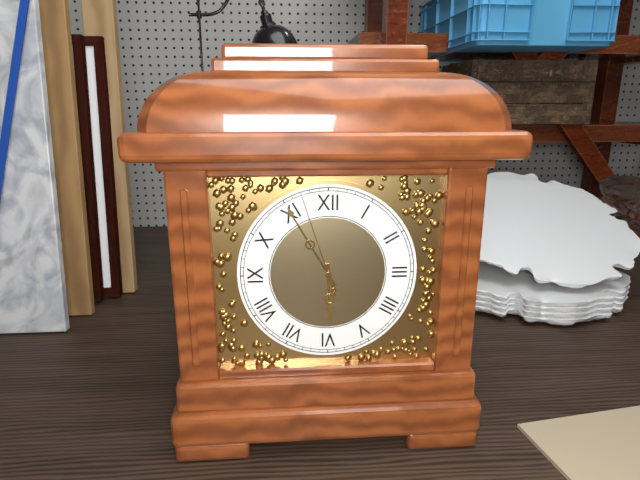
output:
5:55:57
